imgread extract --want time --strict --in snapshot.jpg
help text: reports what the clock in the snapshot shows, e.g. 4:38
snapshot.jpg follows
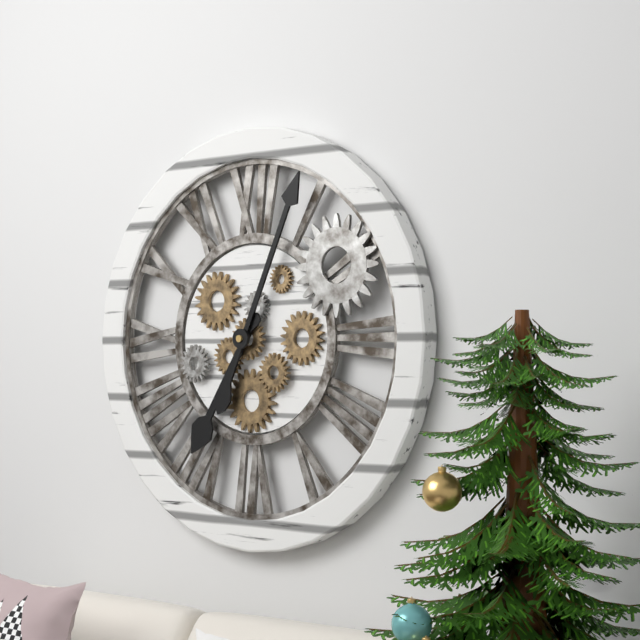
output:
7:04
